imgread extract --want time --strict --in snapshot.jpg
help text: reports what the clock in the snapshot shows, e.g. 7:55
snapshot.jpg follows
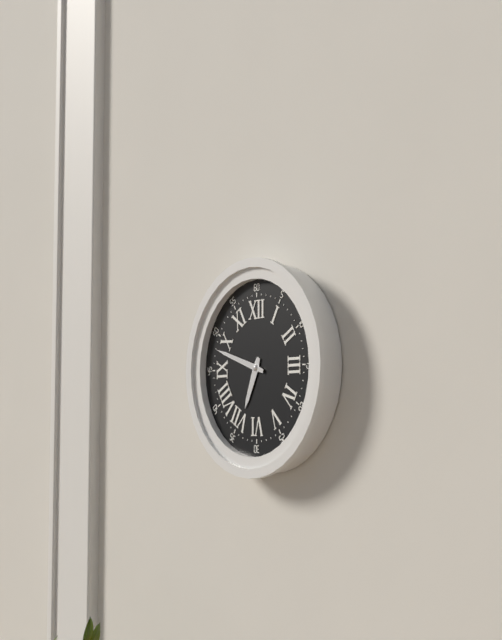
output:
6:48
